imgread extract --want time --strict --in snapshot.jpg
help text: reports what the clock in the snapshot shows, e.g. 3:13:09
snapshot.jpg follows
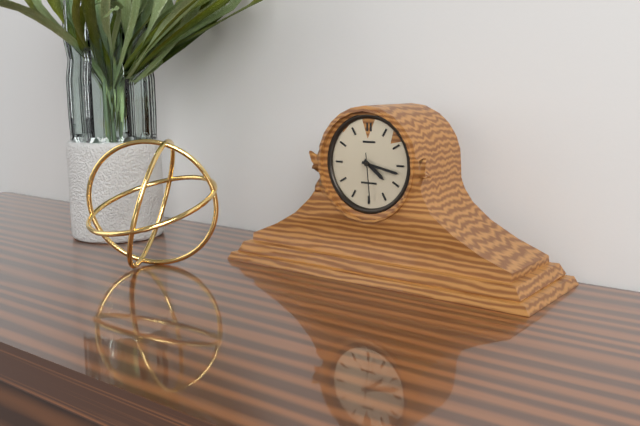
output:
4:17:29
